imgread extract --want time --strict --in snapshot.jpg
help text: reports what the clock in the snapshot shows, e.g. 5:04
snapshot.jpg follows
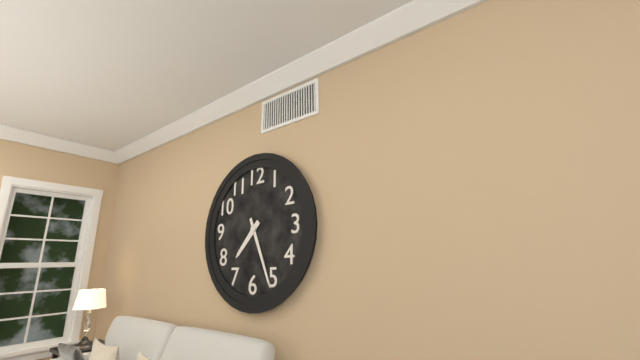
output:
7:26
